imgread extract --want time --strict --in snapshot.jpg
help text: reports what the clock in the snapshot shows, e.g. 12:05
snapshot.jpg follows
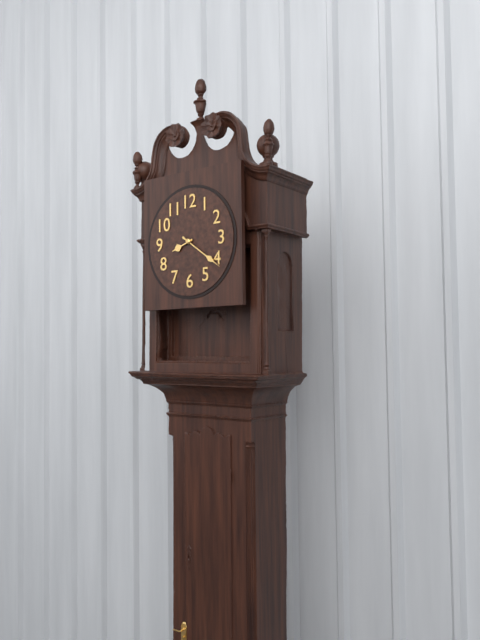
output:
8:21
